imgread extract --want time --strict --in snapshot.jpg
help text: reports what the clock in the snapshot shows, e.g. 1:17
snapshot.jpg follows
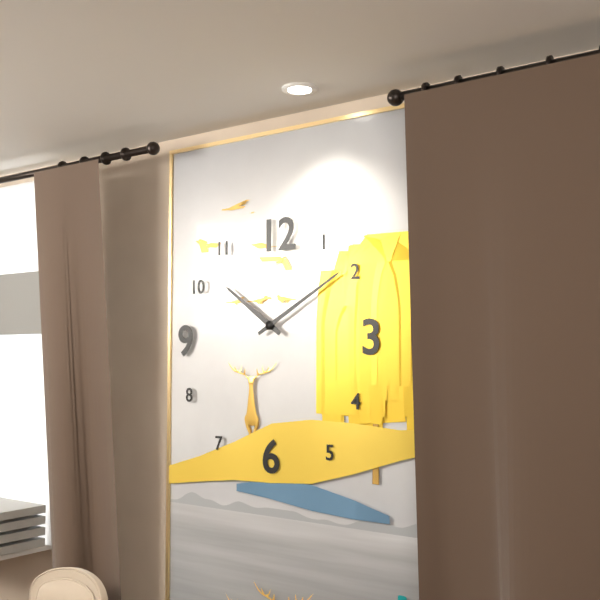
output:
10:10
